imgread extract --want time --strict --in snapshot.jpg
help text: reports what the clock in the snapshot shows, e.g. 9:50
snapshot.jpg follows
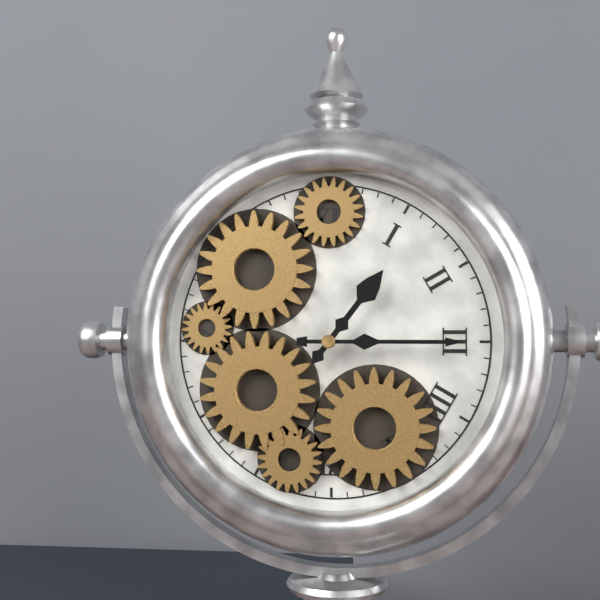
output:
1:15
